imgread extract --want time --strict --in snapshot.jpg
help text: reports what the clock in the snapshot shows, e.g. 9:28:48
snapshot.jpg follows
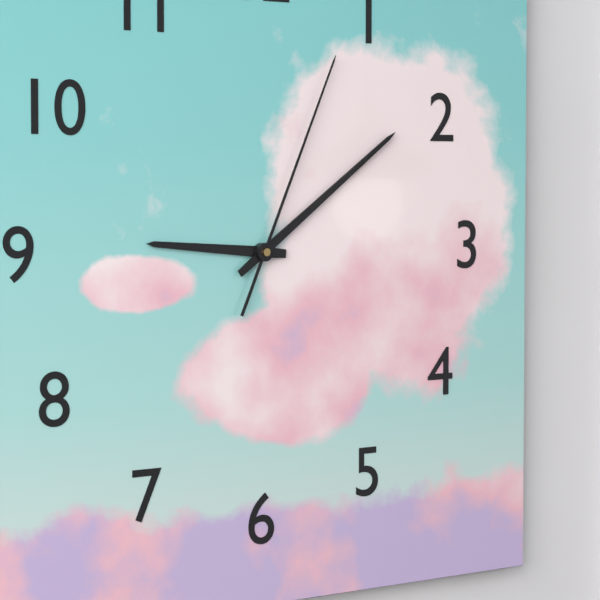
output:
9:09:04
